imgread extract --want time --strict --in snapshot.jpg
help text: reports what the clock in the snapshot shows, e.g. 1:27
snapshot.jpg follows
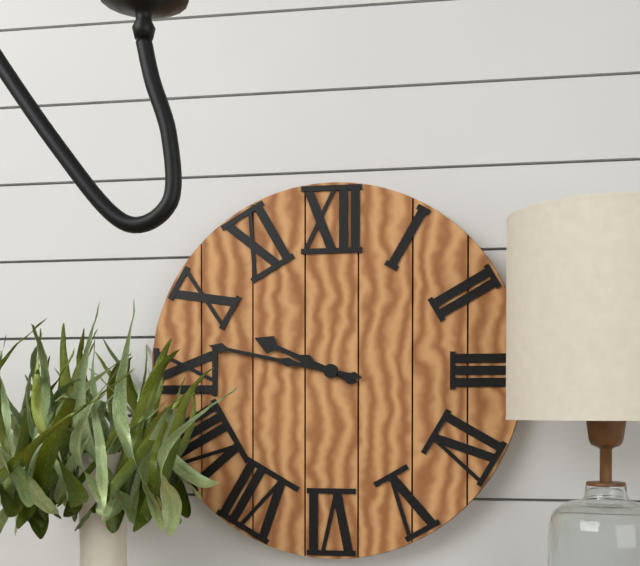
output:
9:47
